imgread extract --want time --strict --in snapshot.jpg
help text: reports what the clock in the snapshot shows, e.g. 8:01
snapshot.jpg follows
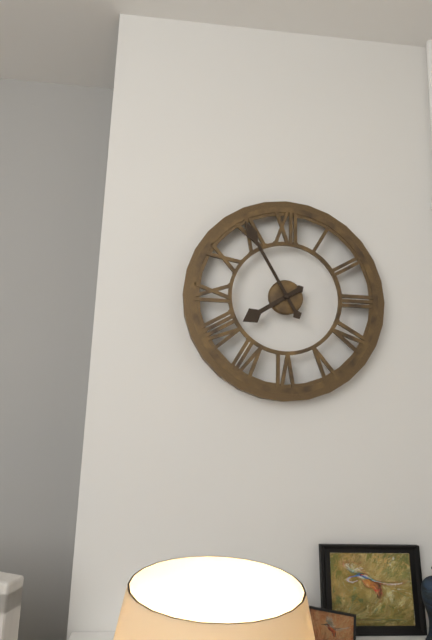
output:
7:55
